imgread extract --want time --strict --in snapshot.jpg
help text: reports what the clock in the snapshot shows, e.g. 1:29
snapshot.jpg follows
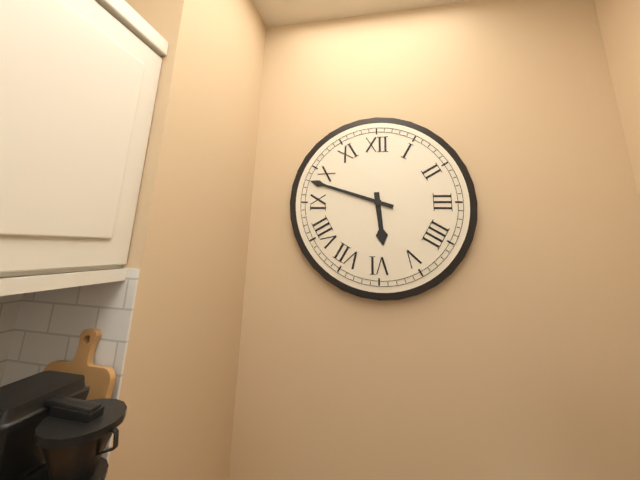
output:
5:48
